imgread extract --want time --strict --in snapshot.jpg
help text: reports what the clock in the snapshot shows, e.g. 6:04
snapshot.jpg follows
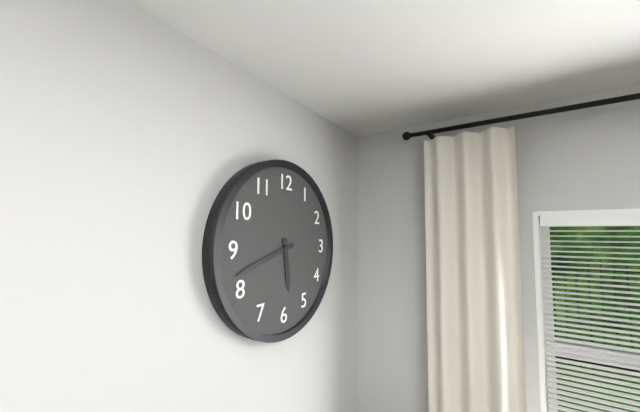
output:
5:42
